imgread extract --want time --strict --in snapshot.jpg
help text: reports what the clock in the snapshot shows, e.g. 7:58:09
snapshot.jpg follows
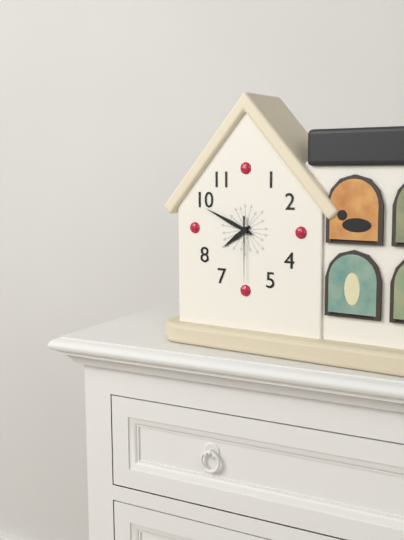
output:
7:49:30
